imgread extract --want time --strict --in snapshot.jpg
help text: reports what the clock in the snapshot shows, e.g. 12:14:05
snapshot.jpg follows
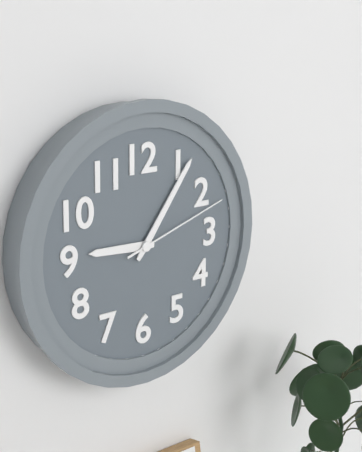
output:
9:06:12
